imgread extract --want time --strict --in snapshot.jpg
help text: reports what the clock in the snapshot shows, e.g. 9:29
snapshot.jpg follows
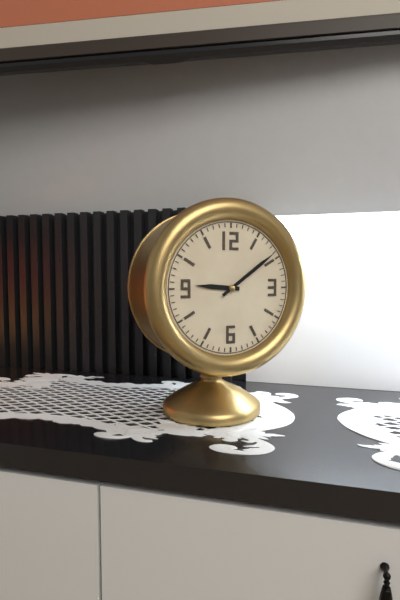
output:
9:09
